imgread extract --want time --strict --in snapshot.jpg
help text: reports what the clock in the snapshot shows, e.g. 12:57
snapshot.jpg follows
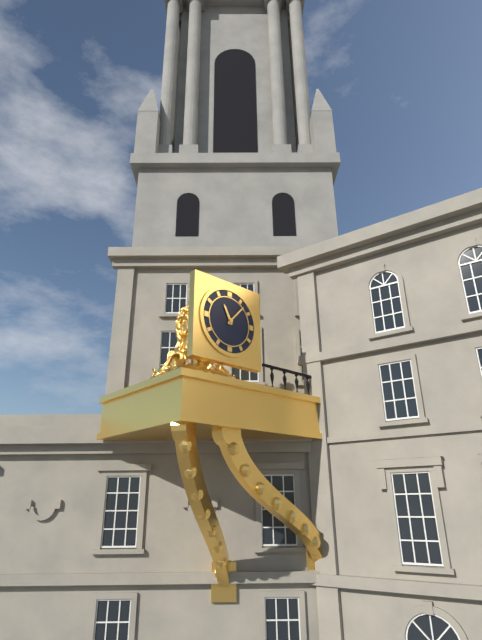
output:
11:07
